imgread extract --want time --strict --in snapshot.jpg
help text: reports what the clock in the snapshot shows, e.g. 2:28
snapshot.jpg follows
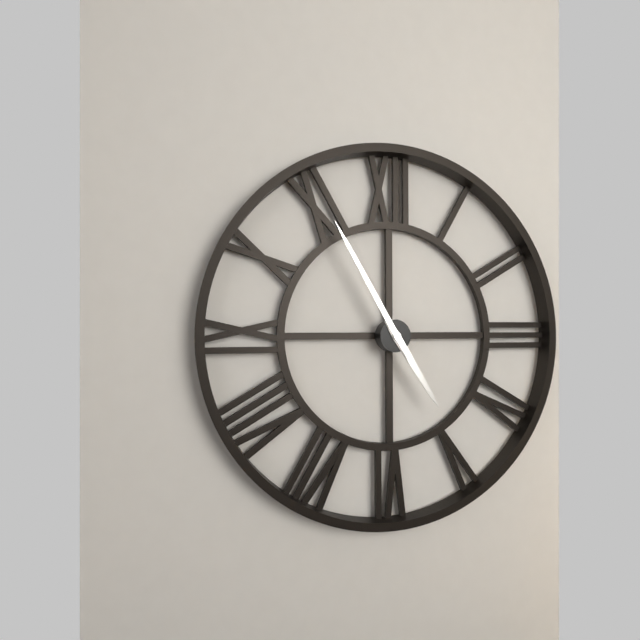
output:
4:55
